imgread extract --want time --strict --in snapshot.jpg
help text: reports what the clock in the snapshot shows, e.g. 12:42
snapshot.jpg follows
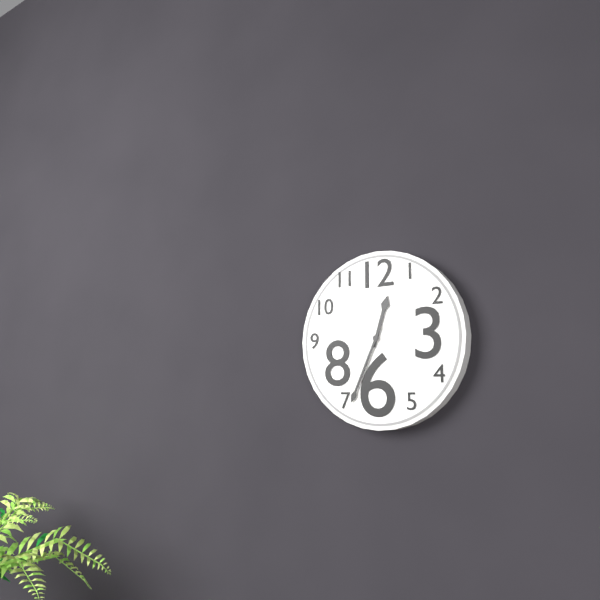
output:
12:34
